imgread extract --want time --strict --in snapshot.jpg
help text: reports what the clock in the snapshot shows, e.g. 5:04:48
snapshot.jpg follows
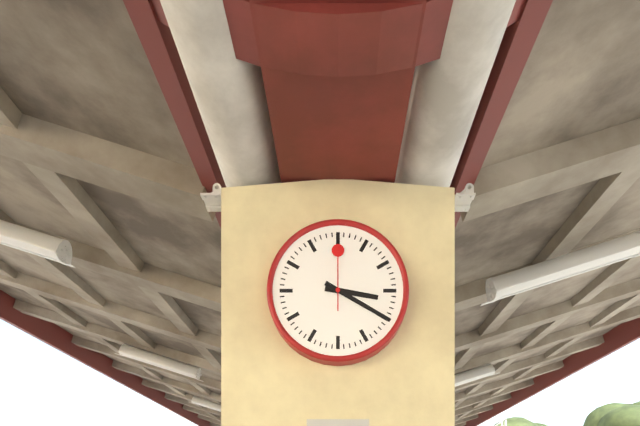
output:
3:20:00
